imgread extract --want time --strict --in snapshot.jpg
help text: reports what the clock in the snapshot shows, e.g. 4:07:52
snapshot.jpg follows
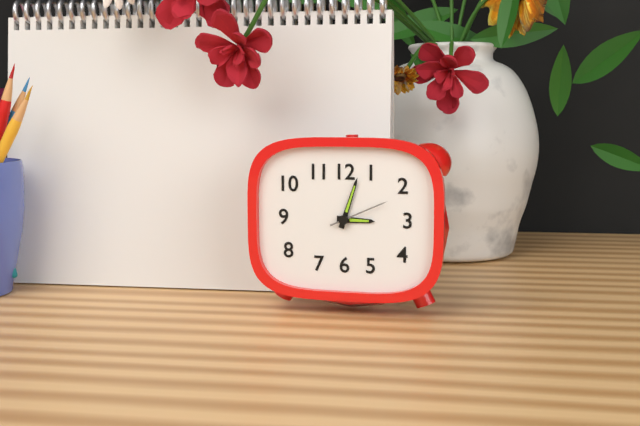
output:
3:03:11
